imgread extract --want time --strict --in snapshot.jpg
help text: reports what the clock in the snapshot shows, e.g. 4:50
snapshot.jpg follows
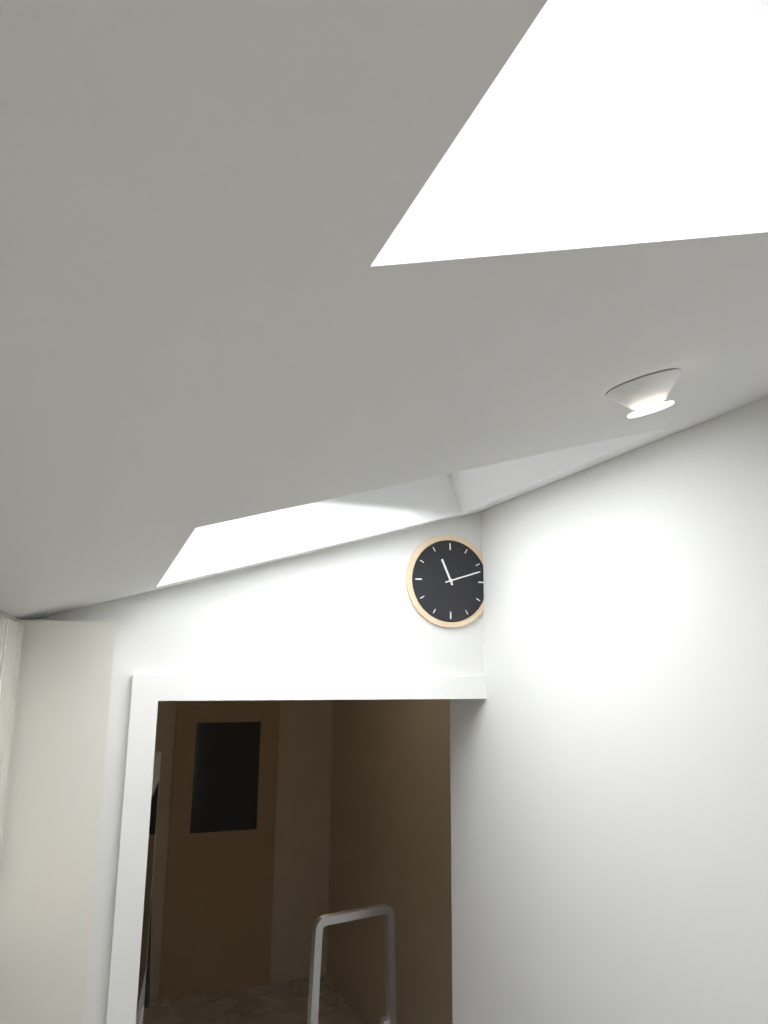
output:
11:12
